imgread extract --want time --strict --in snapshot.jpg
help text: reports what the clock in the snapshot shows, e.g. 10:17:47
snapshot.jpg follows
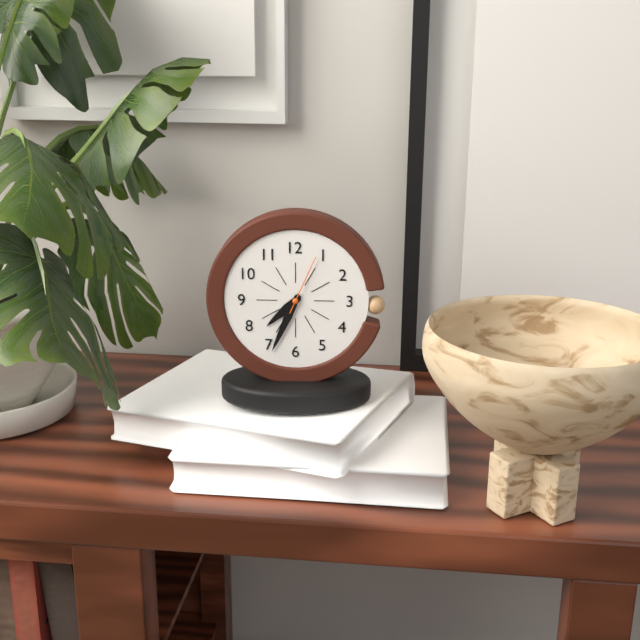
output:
7:34:04
